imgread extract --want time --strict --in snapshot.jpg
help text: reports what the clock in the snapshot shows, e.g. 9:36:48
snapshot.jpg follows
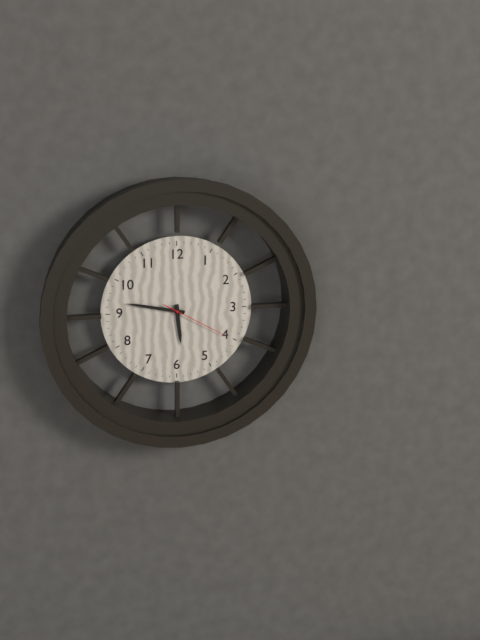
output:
5:47:20
